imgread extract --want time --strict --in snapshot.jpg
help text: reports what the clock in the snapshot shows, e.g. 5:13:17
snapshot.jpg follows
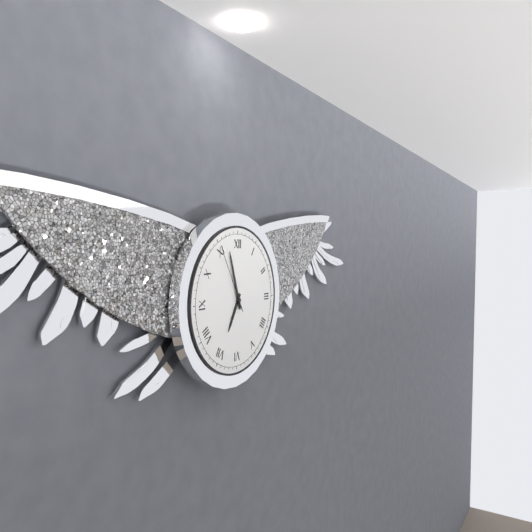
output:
6:57:55
